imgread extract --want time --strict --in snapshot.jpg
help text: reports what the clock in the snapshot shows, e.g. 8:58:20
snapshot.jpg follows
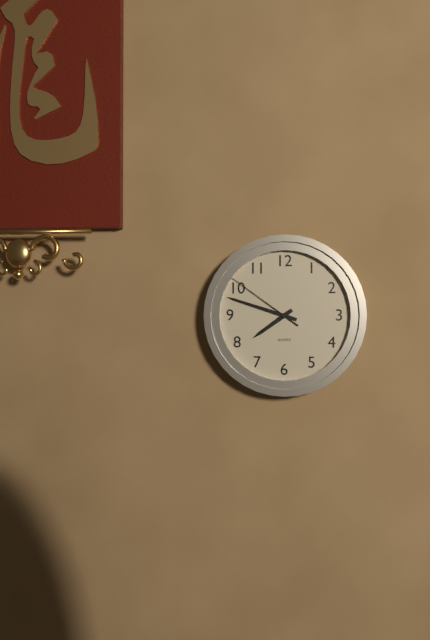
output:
7:48:51
